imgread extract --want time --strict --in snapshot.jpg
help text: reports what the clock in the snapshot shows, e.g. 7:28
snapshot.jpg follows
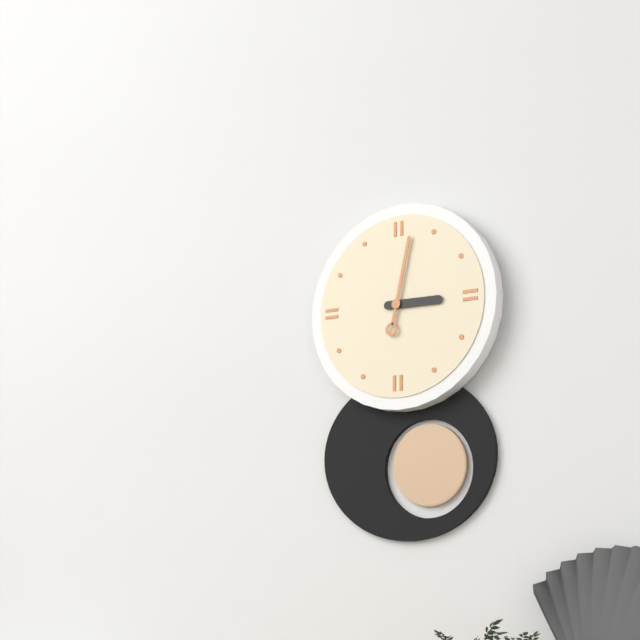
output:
3:02
